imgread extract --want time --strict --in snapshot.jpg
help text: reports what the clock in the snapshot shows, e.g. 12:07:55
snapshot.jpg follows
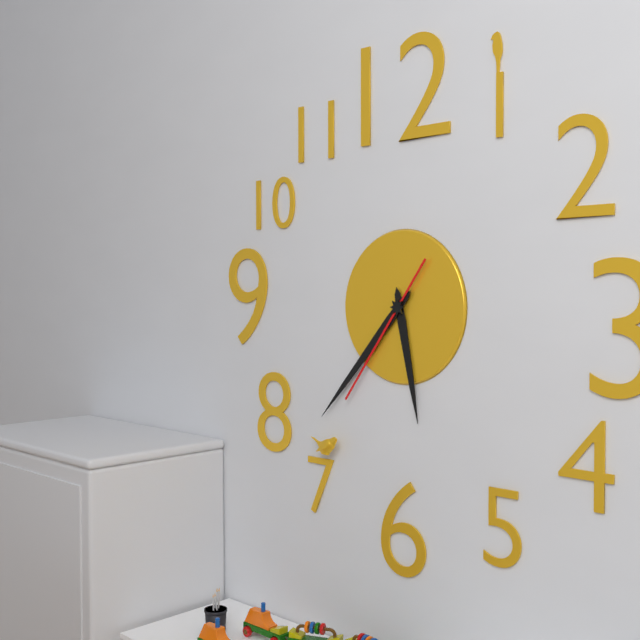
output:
5:37:36
